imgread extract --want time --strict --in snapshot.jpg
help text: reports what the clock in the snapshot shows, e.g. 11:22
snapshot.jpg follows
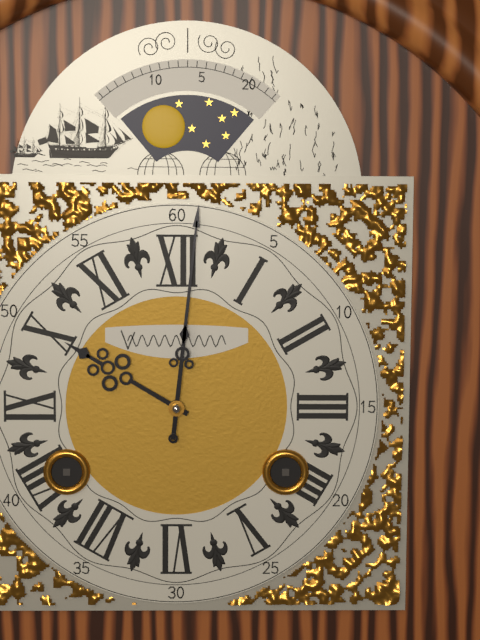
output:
10:01
